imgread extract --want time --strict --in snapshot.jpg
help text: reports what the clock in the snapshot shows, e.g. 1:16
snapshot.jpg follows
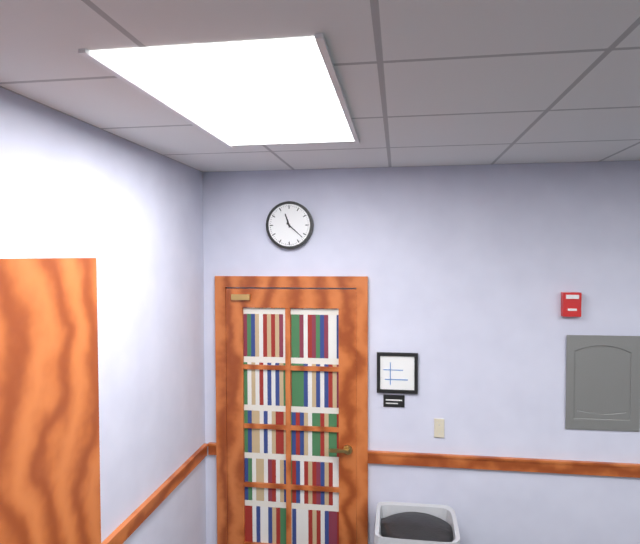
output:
11:22
